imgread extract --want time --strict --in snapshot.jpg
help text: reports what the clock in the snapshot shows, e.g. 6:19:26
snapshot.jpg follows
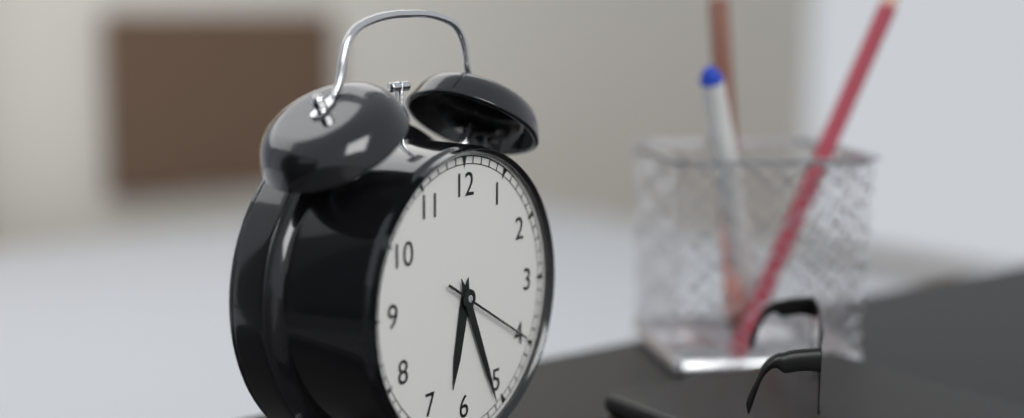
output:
6:26:20
